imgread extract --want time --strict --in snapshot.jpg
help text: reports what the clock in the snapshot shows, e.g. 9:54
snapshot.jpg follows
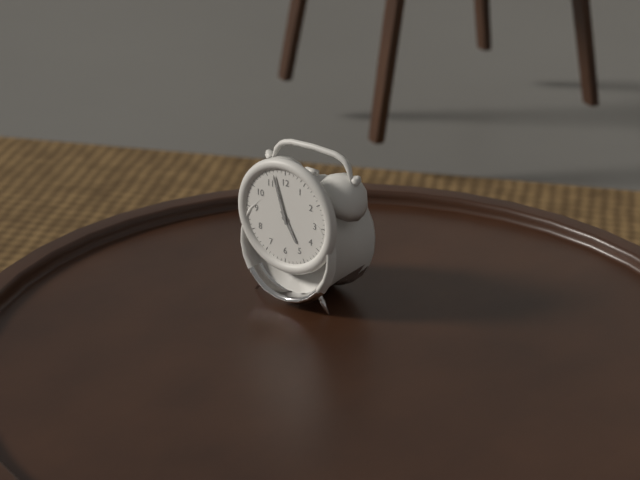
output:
4:57
